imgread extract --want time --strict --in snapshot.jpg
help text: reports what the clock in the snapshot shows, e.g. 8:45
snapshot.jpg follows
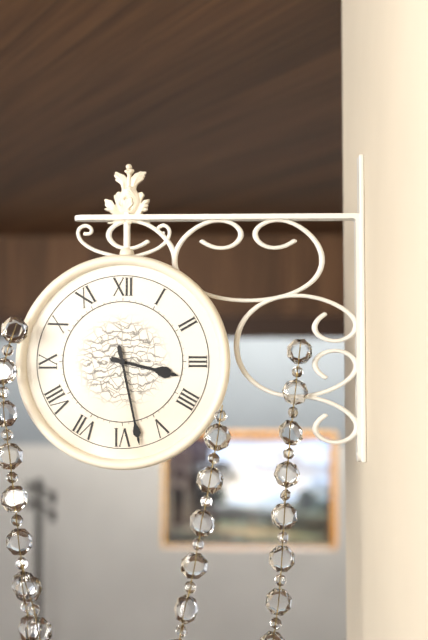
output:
3:28
